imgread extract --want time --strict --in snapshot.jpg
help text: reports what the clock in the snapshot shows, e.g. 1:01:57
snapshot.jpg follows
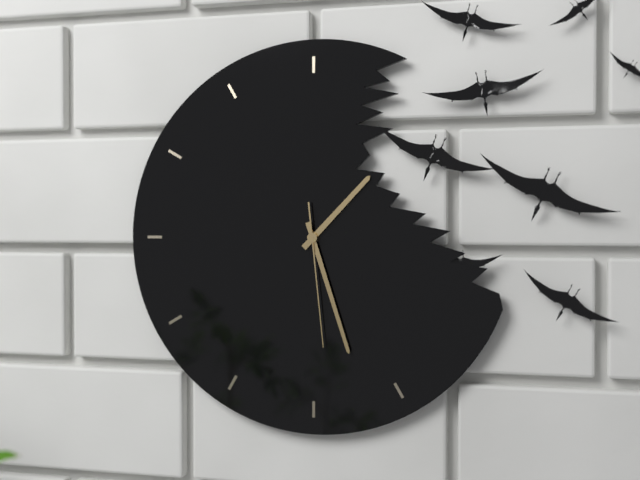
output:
1:27:29
